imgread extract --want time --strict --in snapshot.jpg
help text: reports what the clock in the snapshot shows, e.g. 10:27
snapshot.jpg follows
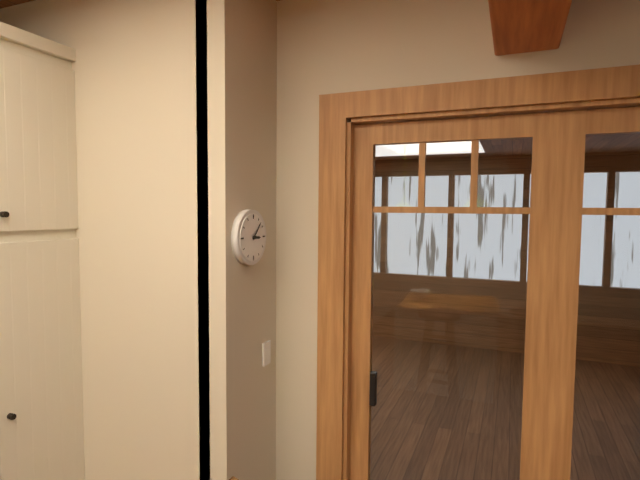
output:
3:07
